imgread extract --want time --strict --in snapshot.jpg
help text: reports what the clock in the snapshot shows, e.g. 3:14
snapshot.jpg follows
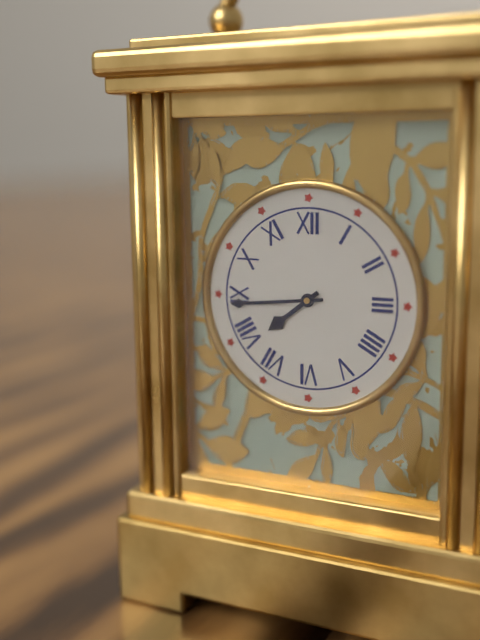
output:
7:44
